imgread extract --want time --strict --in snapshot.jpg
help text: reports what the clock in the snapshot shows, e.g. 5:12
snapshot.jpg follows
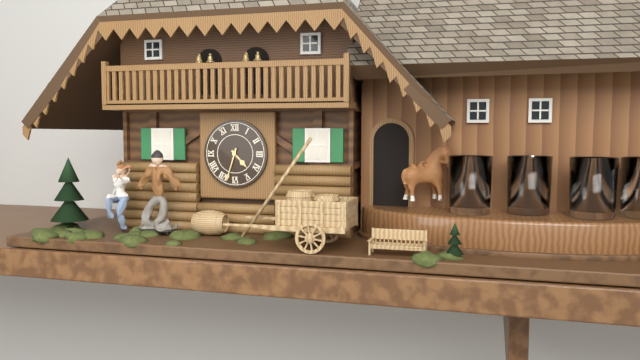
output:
4:33
